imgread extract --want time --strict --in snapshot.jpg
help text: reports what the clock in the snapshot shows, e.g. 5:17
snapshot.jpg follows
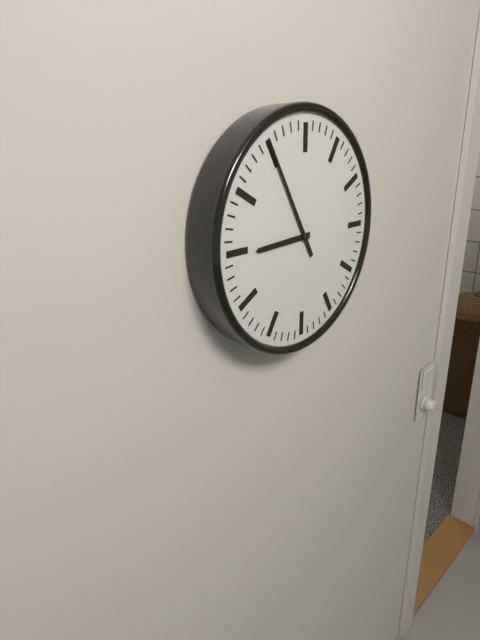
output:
8:55
